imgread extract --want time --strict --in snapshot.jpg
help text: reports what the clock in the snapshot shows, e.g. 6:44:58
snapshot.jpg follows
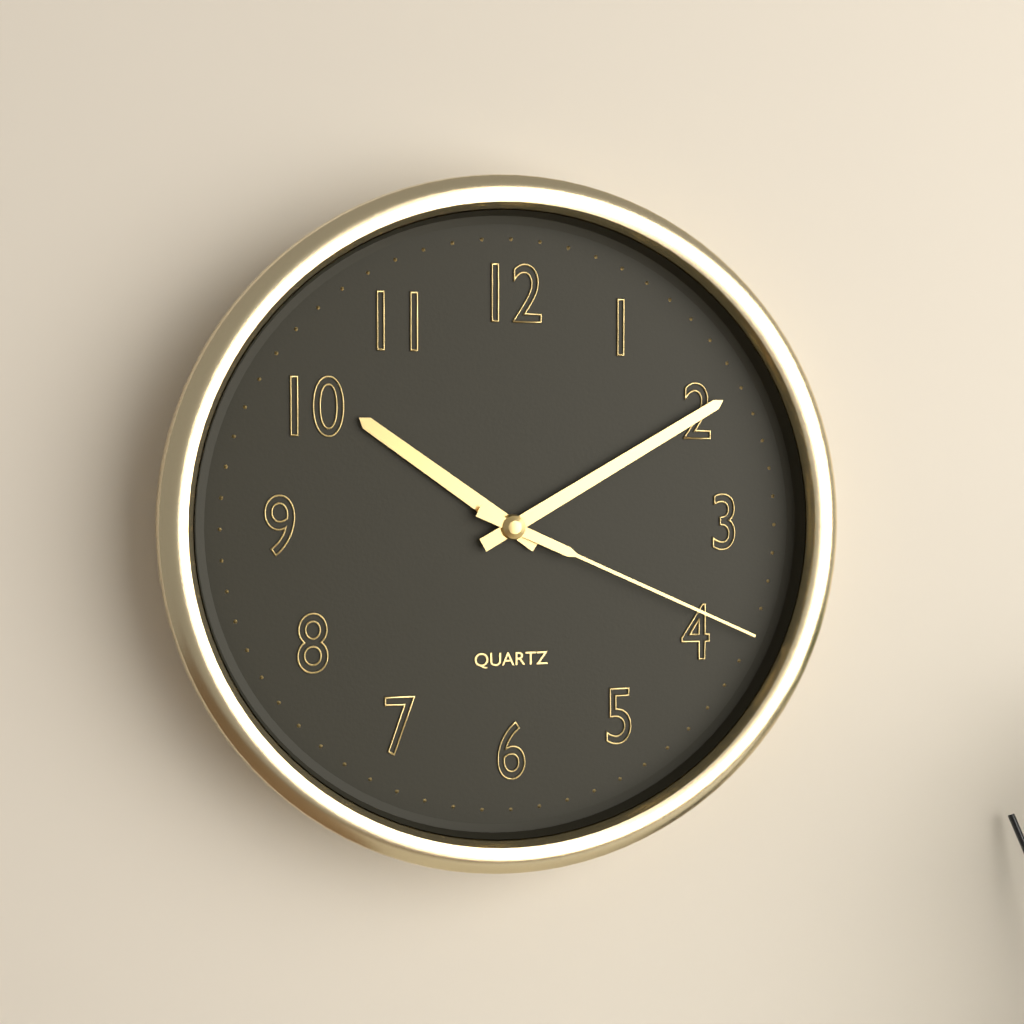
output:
10:10:19
